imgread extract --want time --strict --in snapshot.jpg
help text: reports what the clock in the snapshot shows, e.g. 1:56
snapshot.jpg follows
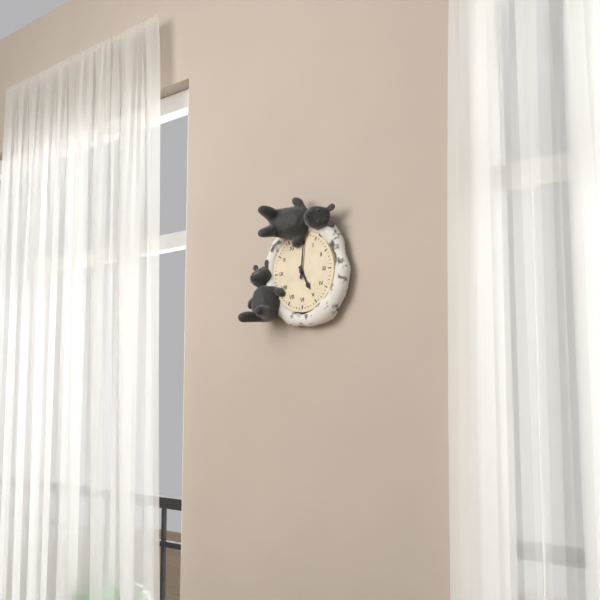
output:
5:01
